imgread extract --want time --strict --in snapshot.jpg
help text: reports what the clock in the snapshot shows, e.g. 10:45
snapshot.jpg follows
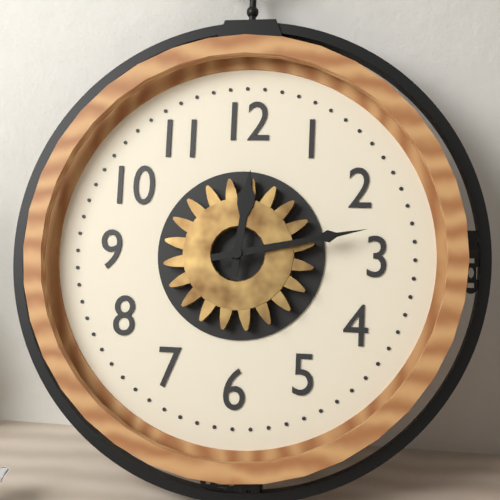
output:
12:13
